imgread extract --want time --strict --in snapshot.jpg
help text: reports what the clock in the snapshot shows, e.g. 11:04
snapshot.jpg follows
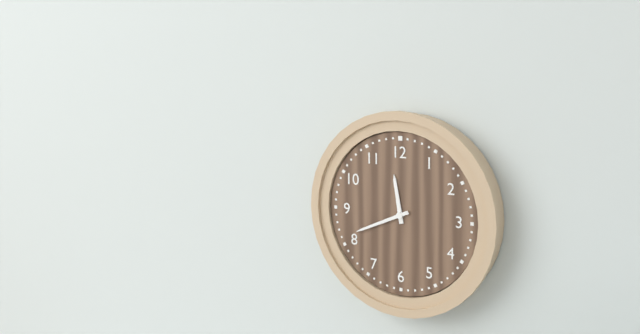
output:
11:41
